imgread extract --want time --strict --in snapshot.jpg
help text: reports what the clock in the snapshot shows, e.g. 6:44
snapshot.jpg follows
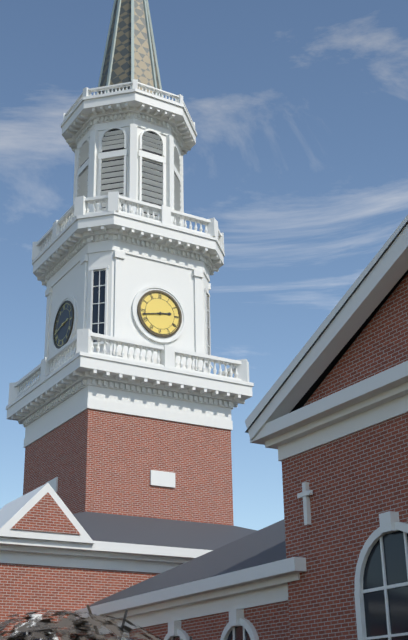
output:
2:43
